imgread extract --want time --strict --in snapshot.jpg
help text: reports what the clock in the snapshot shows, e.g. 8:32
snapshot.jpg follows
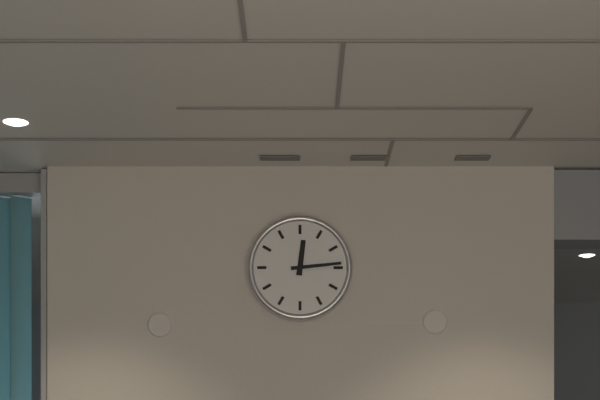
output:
12:14
